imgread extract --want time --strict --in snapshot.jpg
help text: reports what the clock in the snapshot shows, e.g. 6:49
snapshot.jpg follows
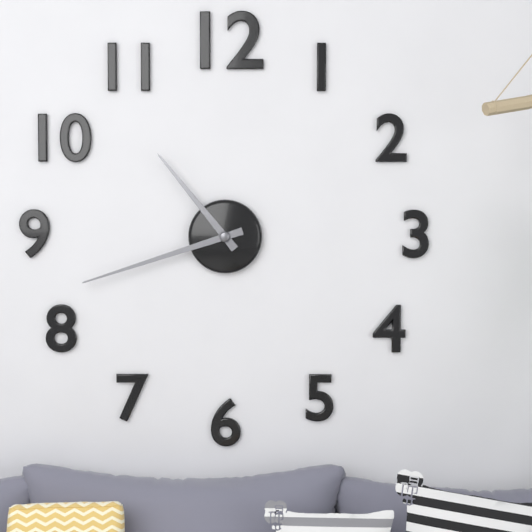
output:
10:42
